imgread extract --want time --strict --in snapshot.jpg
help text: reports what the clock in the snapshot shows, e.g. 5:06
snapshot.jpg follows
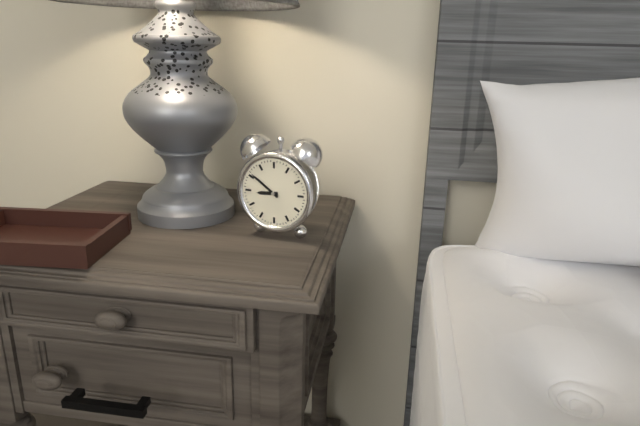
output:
8:51
